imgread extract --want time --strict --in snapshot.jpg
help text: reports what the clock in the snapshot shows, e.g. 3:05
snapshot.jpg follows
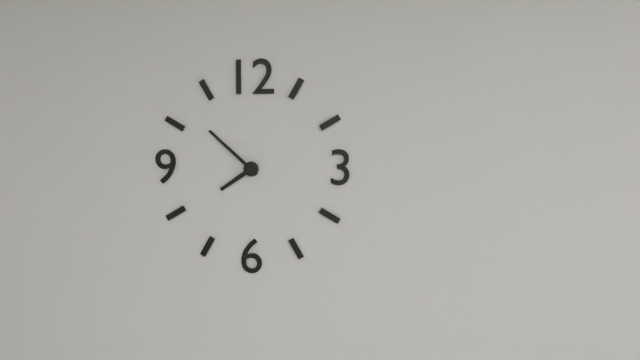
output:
7:52
